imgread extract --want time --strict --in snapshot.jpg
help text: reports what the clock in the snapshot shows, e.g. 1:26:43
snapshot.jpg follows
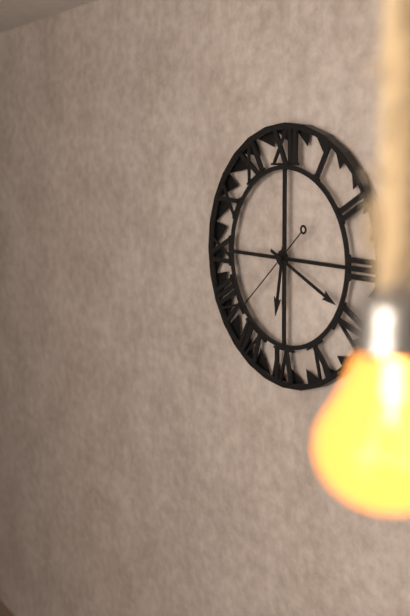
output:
6:19:38
